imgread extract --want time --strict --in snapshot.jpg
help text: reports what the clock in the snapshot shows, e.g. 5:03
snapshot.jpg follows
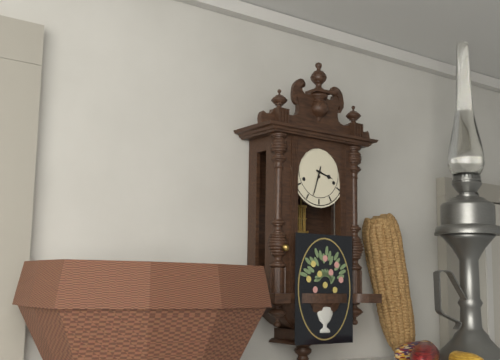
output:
3:33
